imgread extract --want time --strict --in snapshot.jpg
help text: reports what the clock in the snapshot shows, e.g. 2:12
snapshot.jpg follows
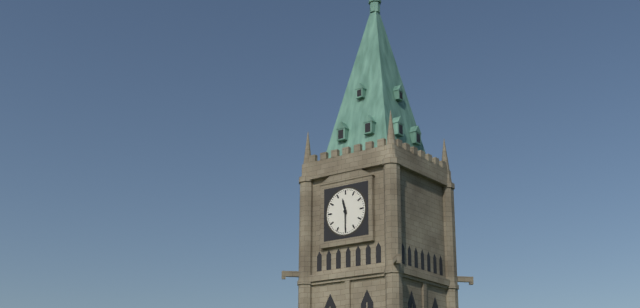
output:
11:30
